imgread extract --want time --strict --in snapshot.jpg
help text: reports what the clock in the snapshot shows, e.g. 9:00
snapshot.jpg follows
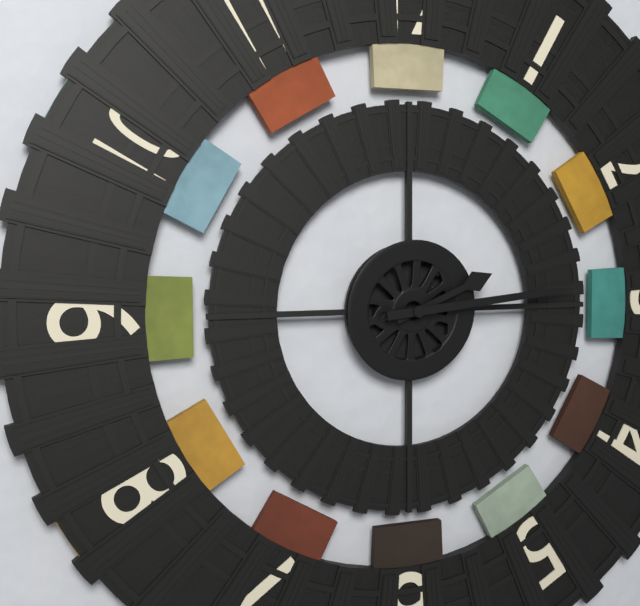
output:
2:14
